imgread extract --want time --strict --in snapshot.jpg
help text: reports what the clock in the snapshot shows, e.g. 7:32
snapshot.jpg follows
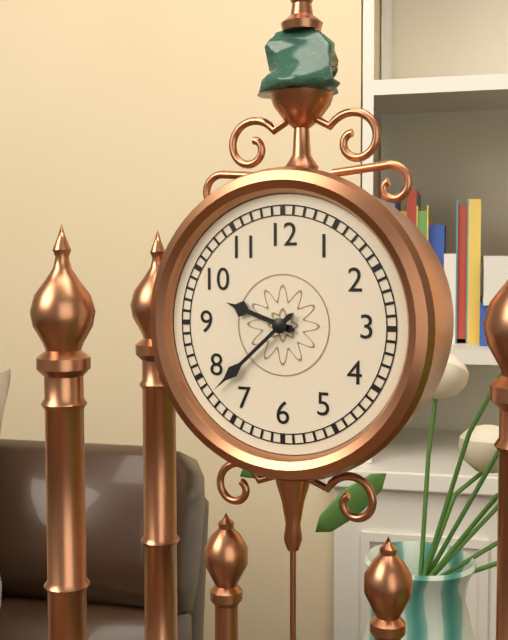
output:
9:38
